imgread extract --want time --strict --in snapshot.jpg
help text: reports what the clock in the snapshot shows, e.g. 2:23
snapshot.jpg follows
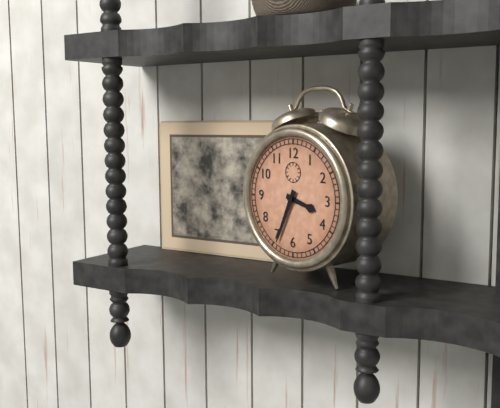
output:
3:34
